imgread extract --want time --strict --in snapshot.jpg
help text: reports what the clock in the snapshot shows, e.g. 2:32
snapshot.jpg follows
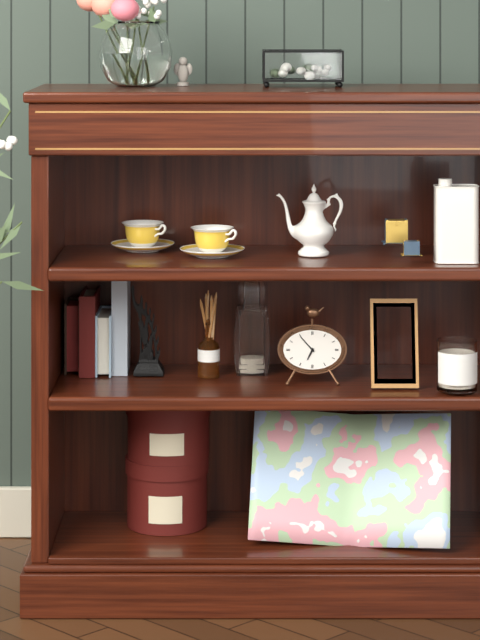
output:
6:53
